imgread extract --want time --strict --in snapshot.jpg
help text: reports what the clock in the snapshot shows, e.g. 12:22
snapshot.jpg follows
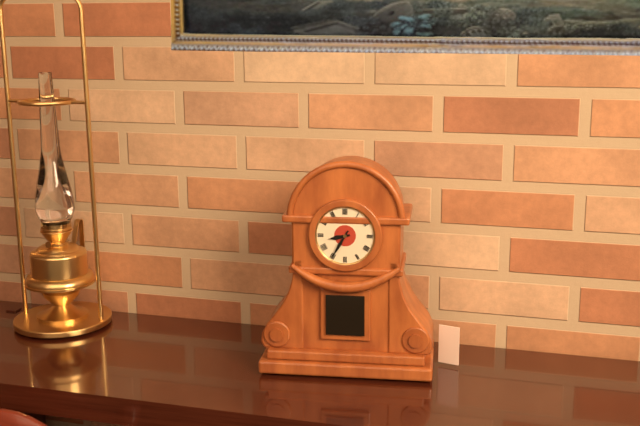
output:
8:35
